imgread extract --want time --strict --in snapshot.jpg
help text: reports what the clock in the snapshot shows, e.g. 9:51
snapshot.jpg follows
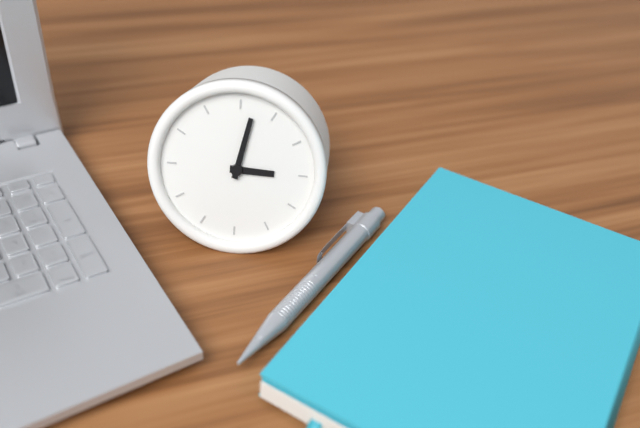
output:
3:02
